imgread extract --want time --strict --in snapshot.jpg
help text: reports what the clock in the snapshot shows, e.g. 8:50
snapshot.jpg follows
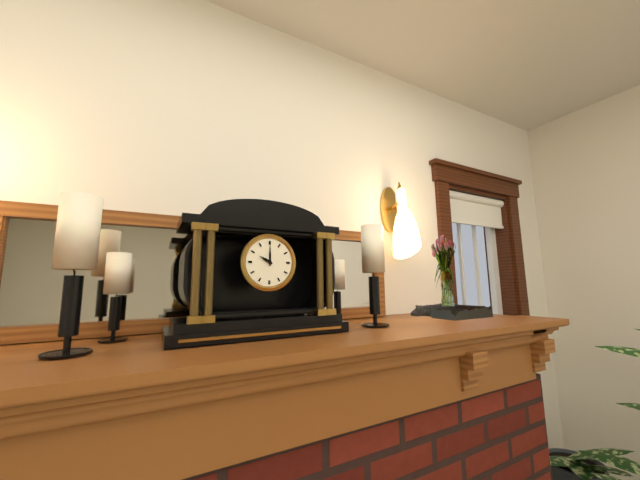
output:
10:00
